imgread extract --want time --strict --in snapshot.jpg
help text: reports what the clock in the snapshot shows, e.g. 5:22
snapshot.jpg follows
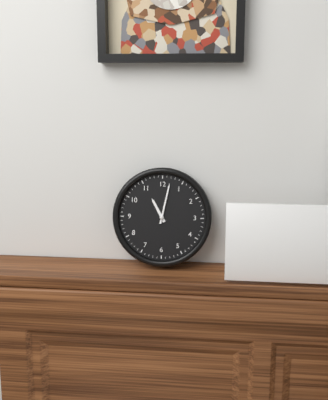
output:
11:02
